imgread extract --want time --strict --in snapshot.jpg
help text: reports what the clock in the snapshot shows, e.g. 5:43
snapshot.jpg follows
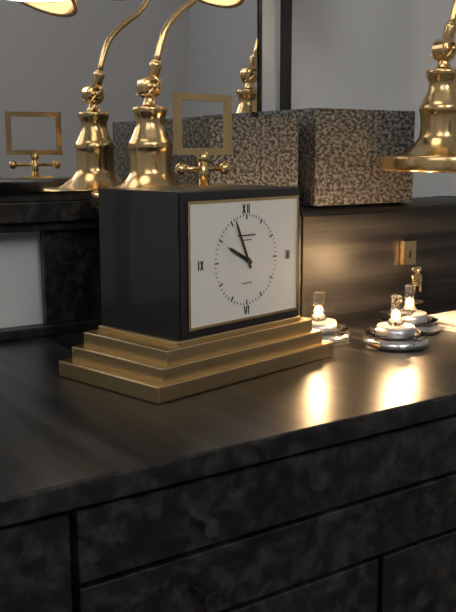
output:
9:56
